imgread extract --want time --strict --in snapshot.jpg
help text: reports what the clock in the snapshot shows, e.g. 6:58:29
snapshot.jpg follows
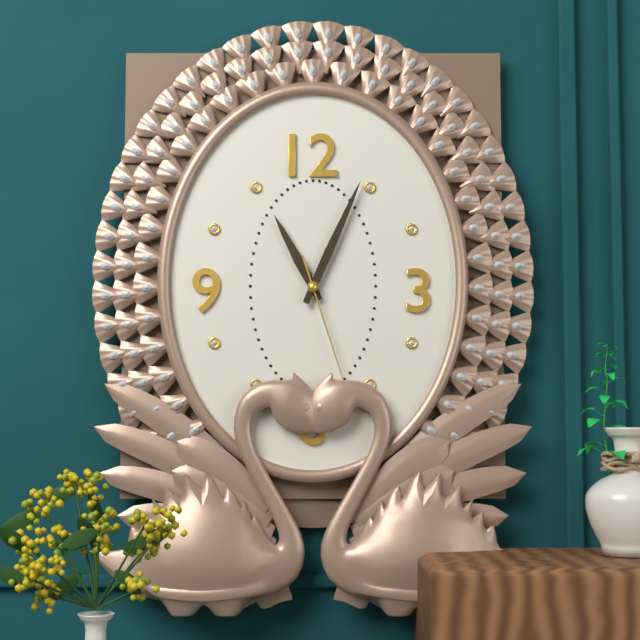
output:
11:04:27
